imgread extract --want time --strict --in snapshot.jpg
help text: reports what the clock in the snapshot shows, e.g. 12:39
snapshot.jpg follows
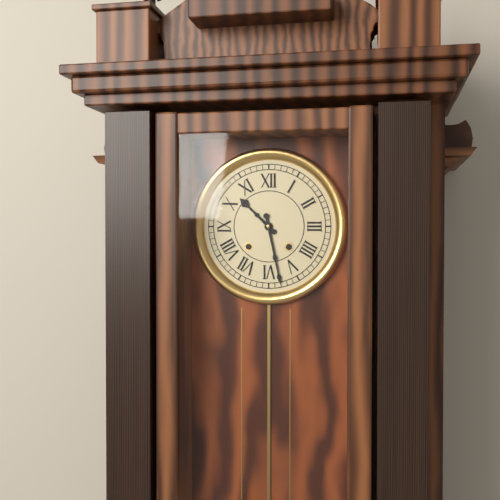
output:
10:28
